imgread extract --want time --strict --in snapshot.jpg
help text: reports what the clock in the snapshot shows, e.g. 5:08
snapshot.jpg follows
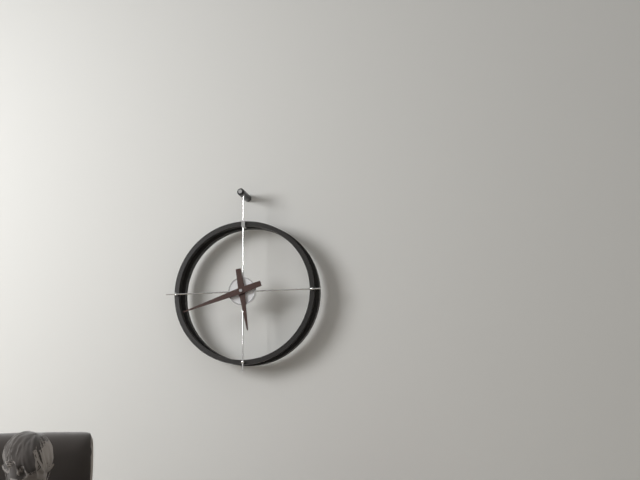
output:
5:42
